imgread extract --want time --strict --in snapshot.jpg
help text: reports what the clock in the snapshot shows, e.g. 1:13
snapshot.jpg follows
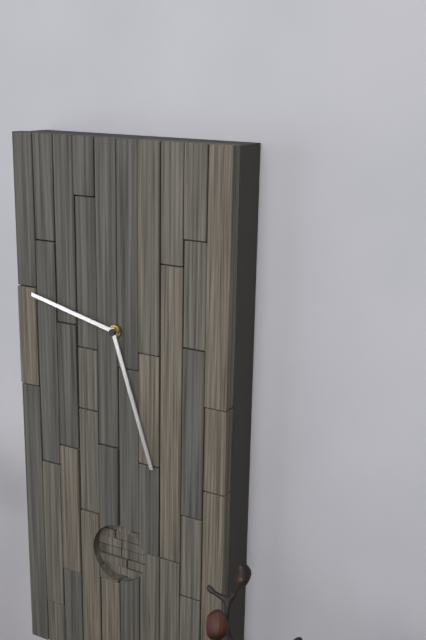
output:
9:27
